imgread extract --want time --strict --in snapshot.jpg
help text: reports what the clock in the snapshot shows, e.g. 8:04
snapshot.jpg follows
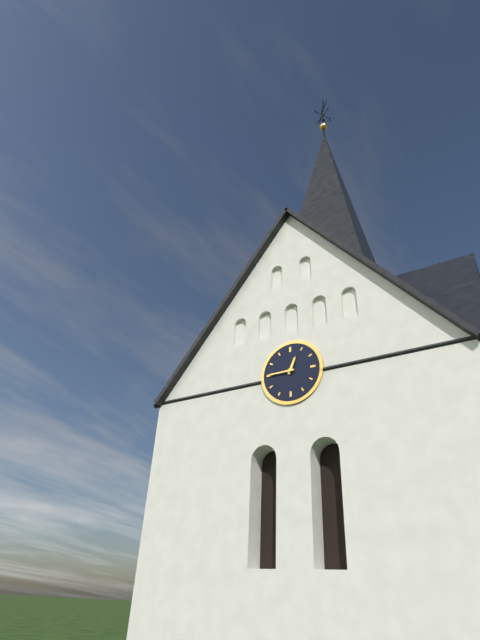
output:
12:45
